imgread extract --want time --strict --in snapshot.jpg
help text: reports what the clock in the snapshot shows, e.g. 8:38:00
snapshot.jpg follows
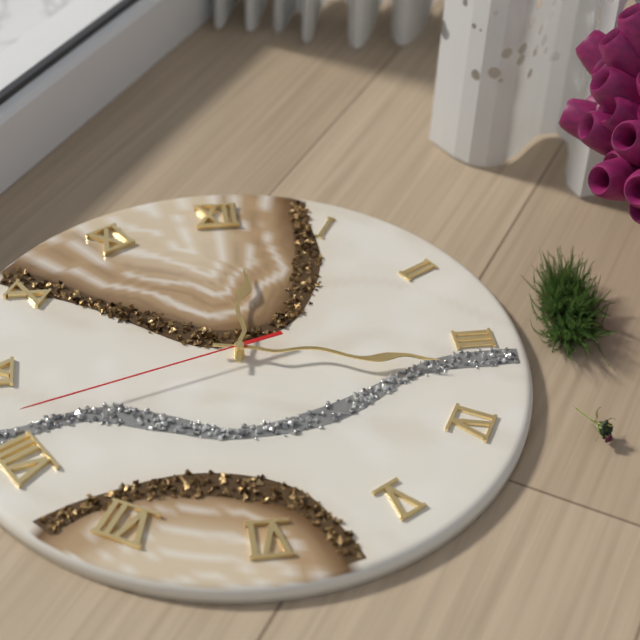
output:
12:17:42
